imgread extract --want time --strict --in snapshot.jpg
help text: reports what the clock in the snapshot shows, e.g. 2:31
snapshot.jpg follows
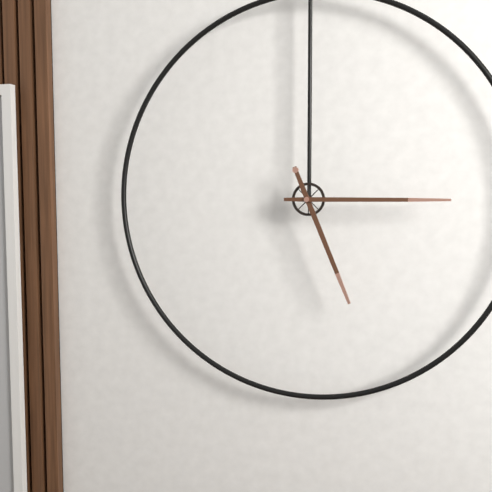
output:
5:15
